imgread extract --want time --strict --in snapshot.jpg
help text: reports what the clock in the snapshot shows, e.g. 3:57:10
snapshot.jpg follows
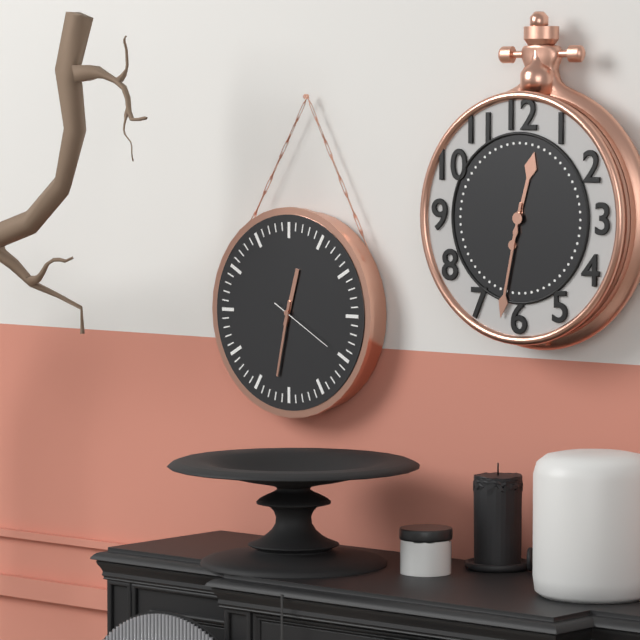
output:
12:32:20
